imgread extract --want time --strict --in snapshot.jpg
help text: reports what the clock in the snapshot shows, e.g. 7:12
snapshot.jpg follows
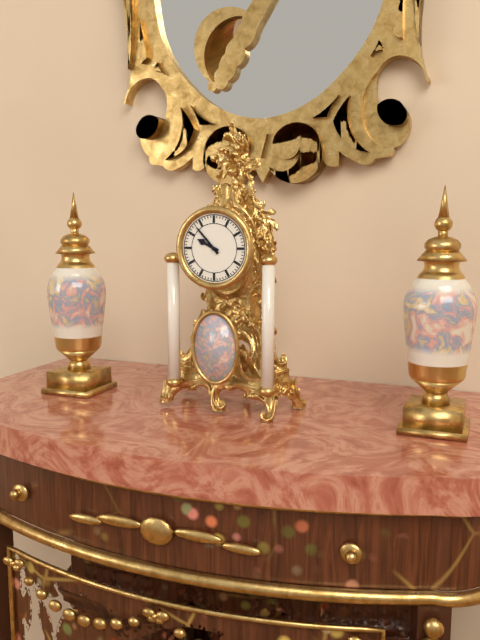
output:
9:53
